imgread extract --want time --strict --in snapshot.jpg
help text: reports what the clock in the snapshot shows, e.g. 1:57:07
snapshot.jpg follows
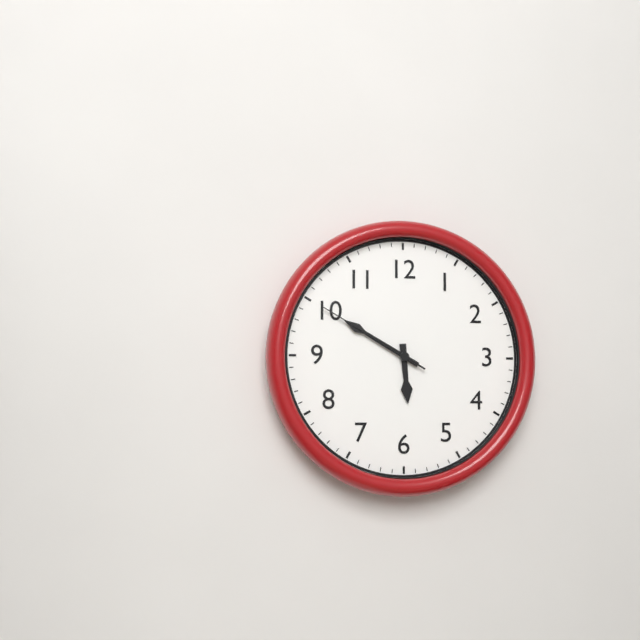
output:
5:50:50
